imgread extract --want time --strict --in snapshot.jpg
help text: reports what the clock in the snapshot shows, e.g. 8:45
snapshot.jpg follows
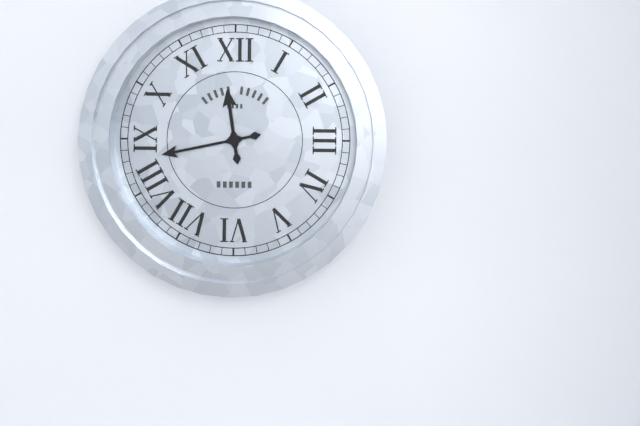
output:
11:43
